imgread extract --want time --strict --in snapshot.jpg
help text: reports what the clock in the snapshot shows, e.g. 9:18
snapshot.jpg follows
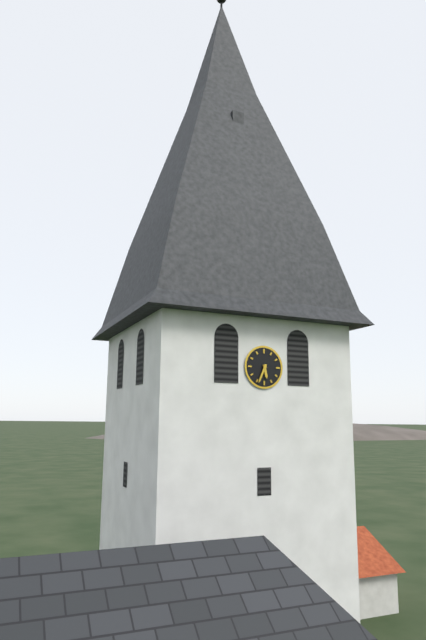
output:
5:34
